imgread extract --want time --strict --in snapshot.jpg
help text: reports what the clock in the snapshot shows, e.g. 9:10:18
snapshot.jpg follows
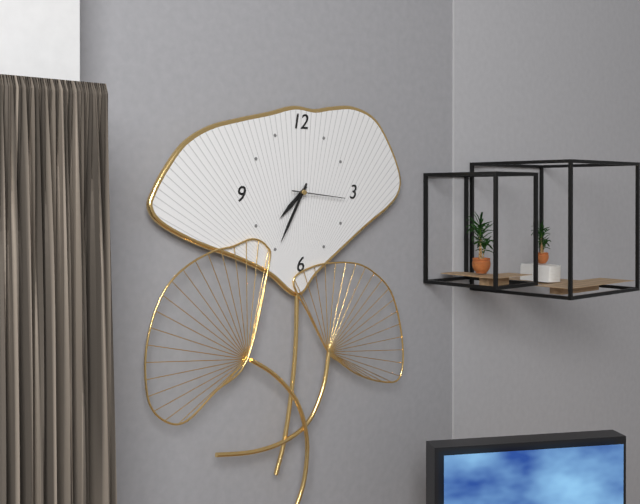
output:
7:35:16
